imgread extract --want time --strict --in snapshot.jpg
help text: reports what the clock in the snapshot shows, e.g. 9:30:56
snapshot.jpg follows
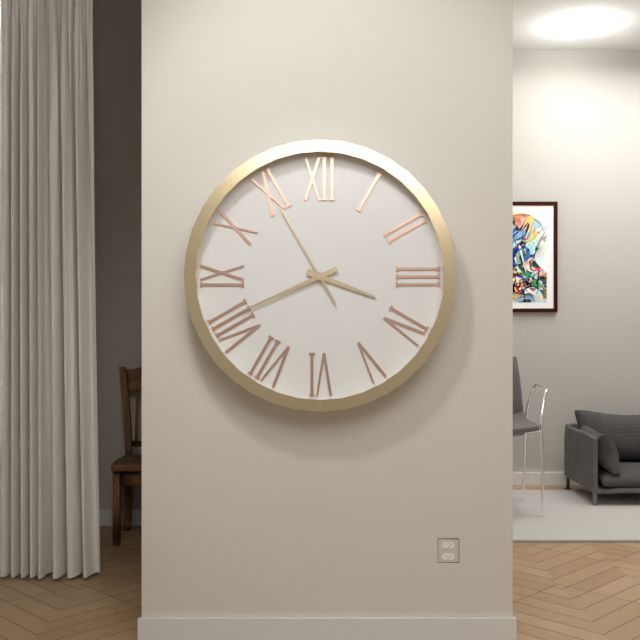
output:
3:41:55
